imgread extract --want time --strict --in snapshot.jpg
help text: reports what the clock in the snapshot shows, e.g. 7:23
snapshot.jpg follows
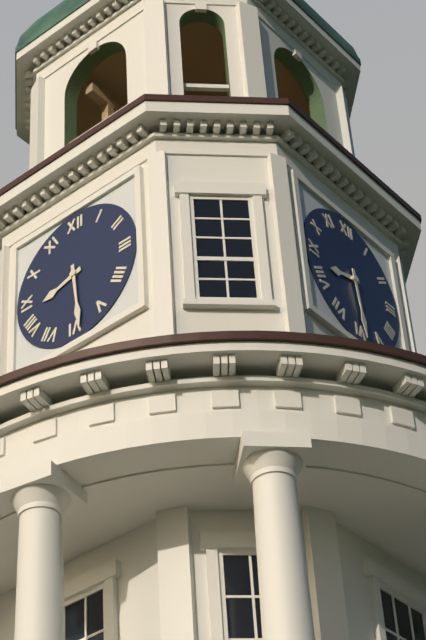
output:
8:29
